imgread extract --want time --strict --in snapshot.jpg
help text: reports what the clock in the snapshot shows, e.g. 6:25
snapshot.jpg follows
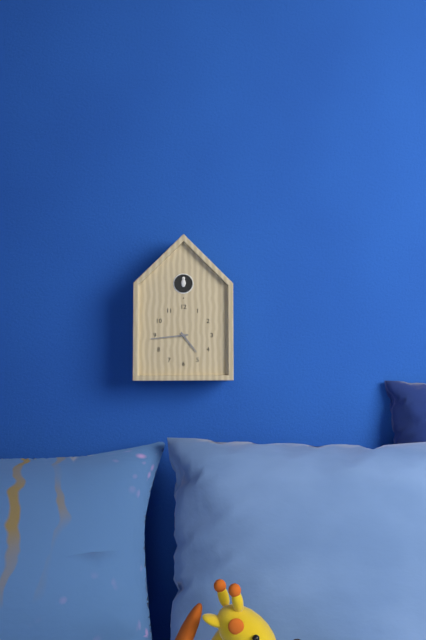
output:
4:44
